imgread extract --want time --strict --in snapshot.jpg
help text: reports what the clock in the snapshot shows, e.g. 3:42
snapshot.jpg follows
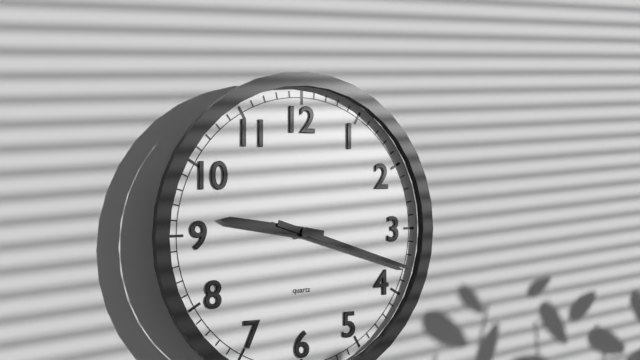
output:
9:18
